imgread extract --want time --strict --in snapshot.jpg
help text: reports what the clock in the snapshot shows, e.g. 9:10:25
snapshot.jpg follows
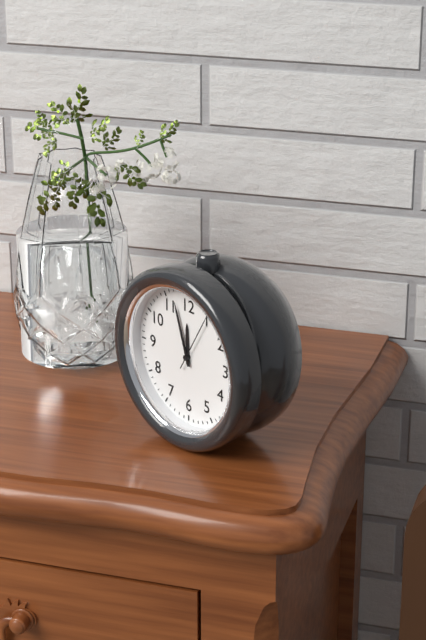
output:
11:57:05
